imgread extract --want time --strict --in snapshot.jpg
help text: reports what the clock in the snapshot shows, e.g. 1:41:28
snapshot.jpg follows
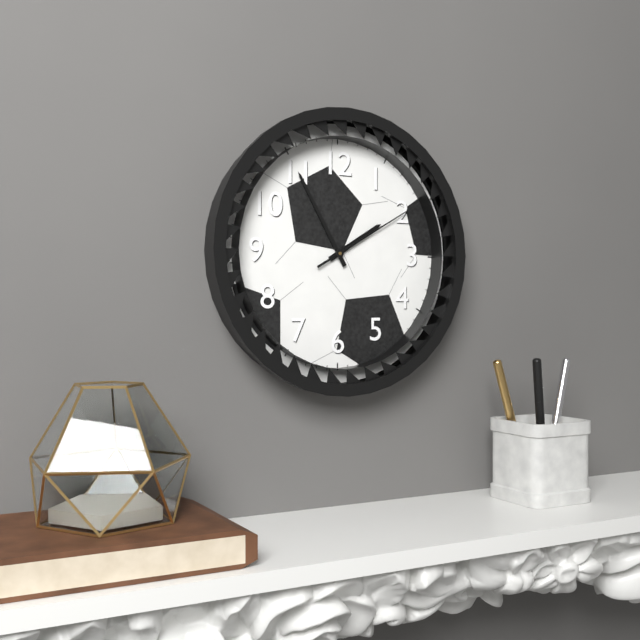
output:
1:55:10
